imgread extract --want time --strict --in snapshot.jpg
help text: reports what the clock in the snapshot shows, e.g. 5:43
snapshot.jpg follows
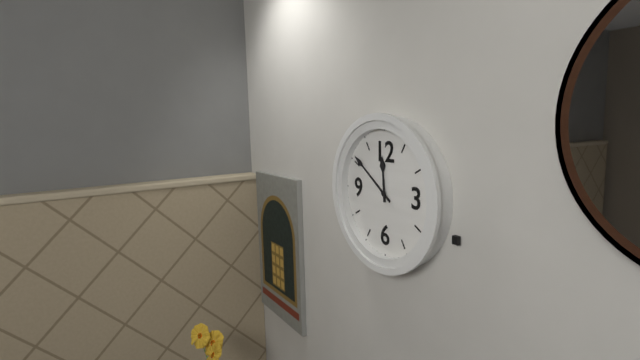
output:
11:51
